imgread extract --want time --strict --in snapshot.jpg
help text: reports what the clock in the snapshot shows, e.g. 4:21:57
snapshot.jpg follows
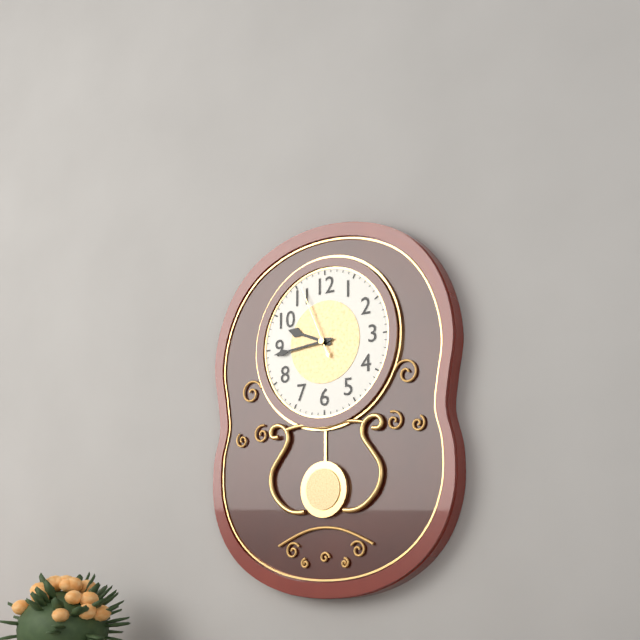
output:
9:44:56
